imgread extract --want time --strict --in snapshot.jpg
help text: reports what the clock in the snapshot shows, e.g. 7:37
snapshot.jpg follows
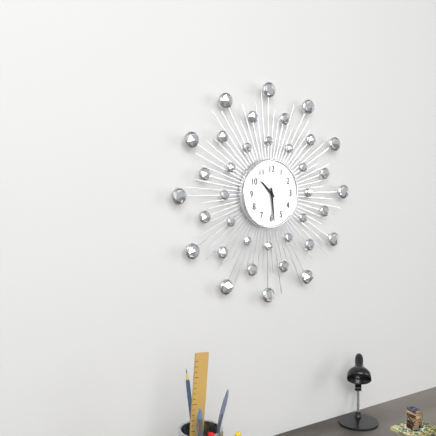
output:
10:29
